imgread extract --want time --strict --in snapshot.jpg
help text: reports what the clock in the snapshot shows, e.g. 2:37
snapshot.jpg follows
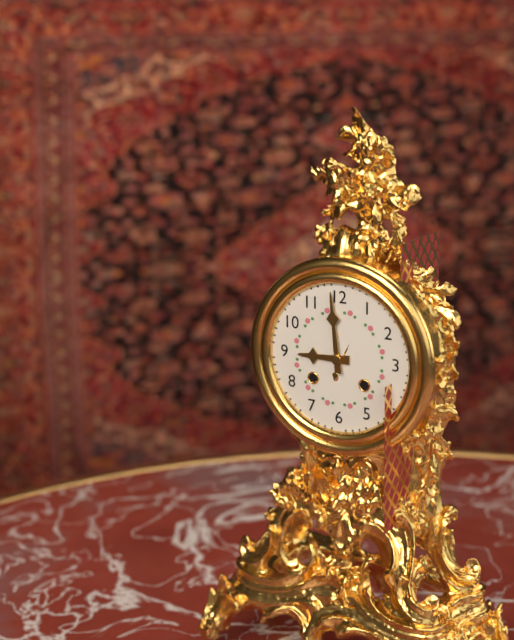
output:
8:59
